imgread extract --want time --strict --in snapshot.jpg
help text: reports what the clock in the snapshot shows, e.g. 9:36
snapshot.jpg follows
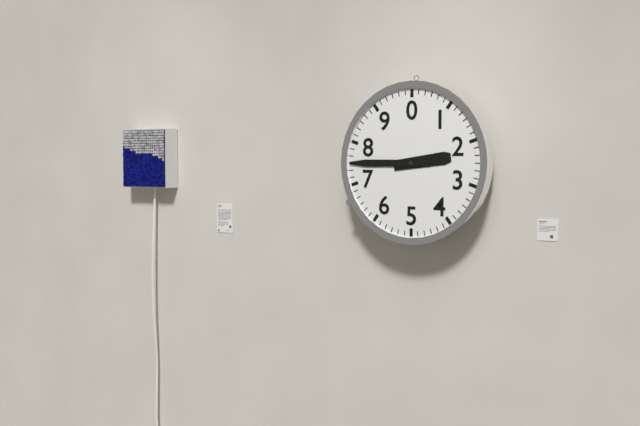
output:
2:45
